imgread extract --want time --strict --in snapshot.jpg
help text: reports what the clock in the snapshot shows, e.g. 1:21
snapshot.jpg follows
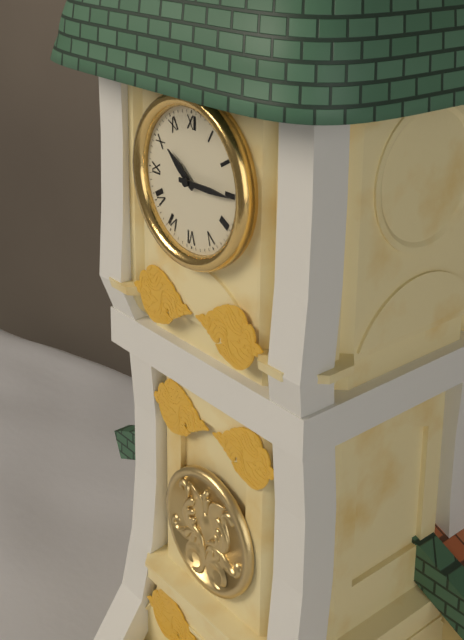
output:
10:15
